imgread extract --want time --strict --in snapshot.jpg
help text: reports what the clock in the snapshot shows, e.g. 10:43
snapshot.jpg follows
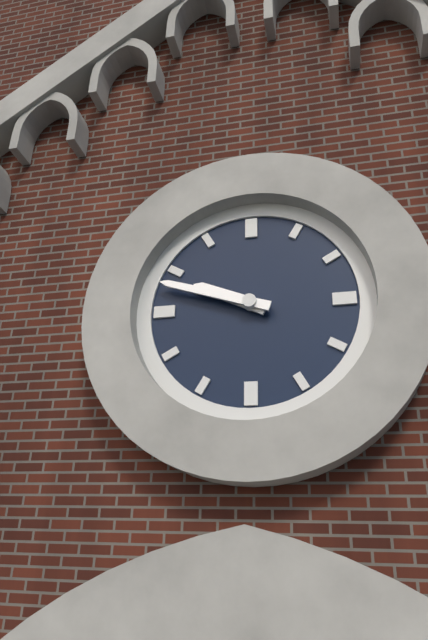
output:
9:48
